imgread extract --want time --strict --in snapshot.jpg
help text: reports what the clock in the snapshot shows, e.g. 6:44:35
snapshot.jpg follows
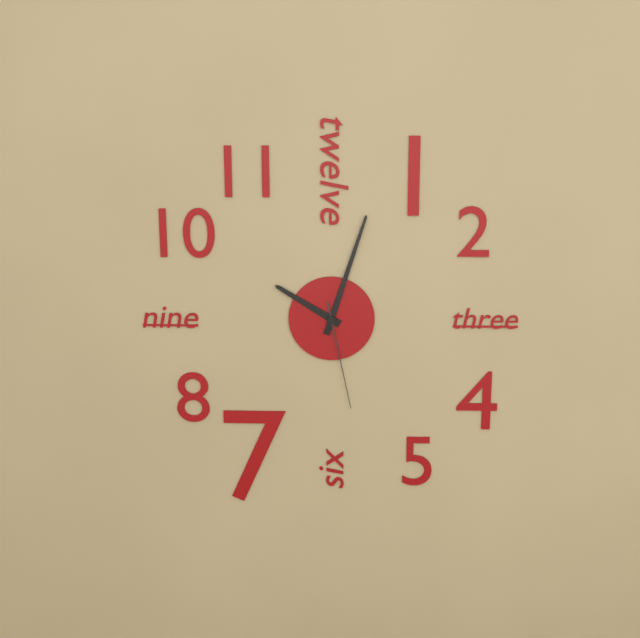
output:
10:03:28
